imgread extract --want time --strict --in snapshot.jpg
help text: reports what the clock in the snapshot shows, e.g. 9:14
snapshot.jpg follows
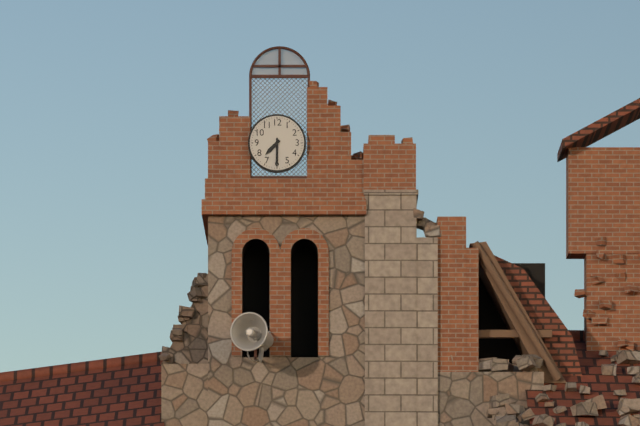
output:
7:30
